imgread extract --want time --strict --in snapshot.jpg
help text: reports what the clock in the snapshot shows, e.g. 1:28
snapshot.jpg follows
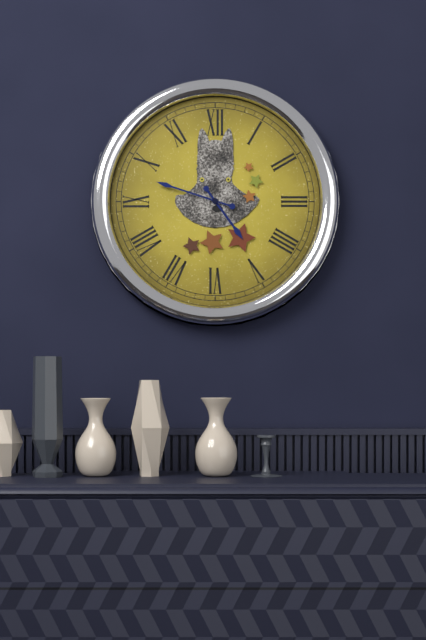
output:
4:48
